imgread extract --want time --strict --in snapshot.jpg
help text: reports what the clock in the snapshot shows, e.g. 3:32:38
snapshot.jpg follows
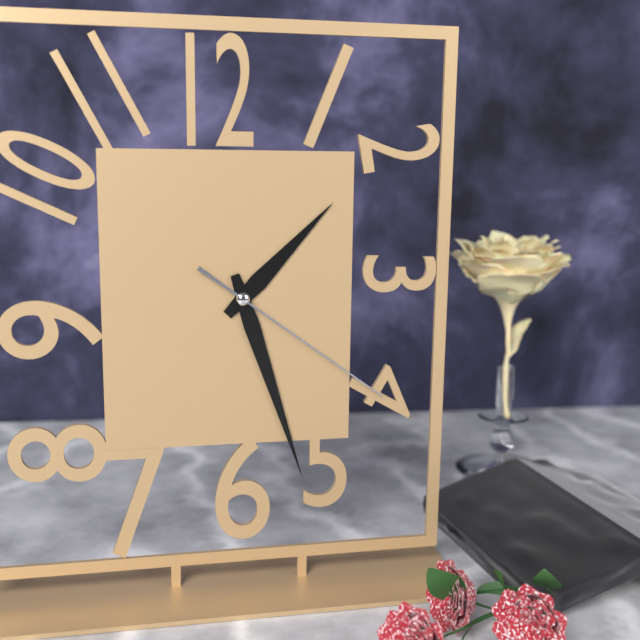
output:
1:27:21
